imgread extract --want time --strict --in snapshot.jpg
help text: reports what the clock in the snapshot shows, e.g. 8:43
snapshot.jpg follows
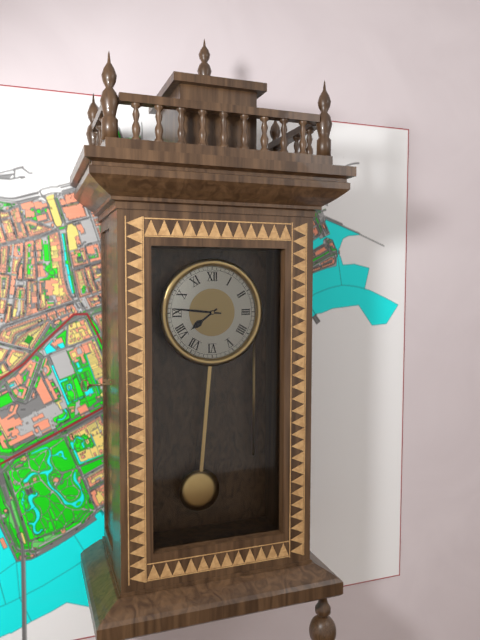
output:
7:46
